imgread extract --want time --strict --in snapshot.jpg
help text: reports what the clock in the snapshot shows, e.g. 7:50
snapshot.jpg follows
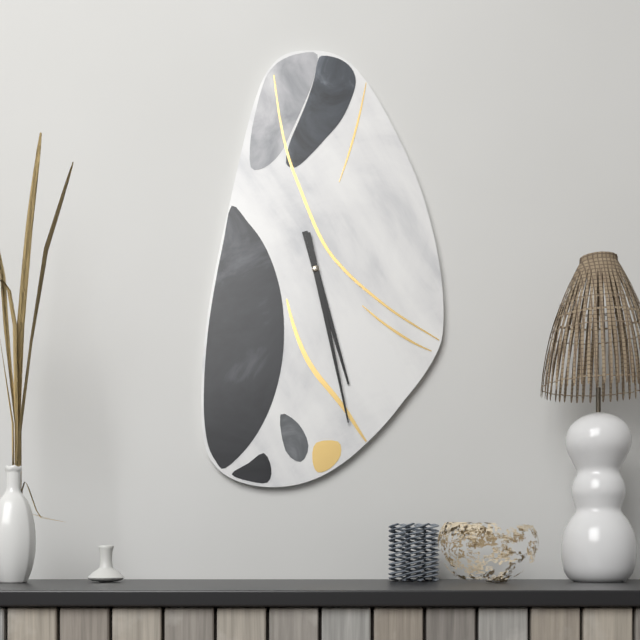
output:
5:28
